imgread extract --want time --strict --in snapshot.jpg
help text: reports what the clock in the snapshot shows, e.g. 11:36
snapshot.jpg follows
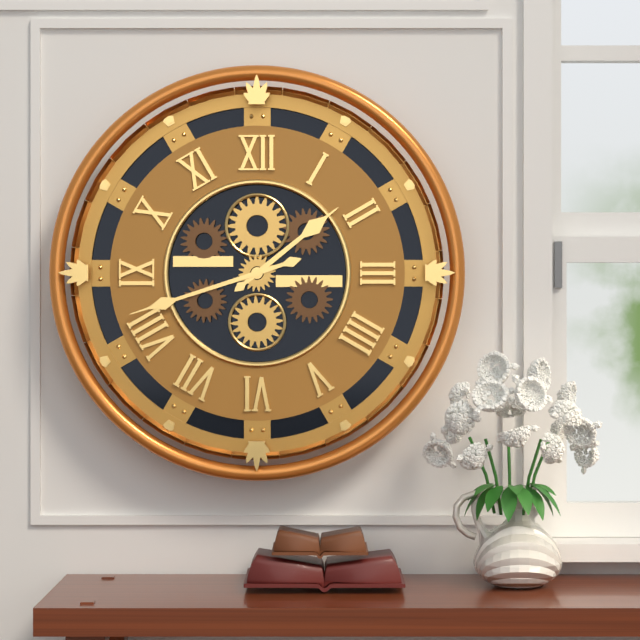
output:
1:42
